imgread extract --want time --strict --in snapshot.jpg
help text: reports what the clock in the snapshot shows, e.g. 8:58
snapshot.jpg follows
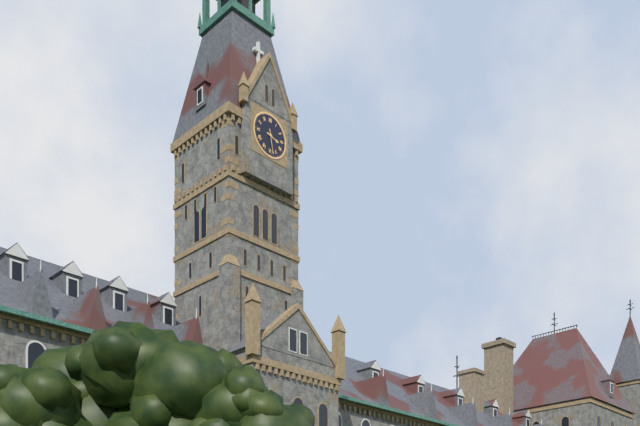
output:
3:28
